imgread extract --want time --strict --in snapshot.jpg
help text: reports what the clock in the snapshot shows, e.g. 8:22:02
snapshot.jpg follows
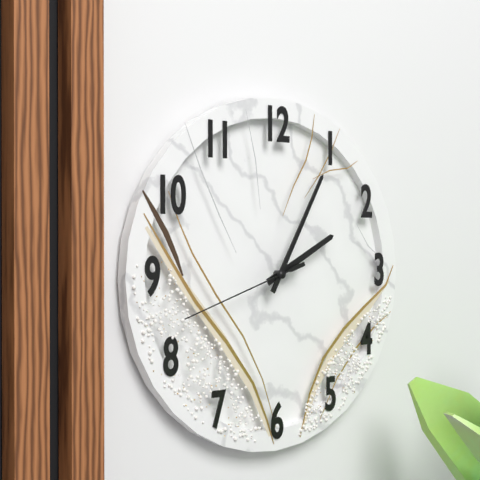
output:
2:05:42
